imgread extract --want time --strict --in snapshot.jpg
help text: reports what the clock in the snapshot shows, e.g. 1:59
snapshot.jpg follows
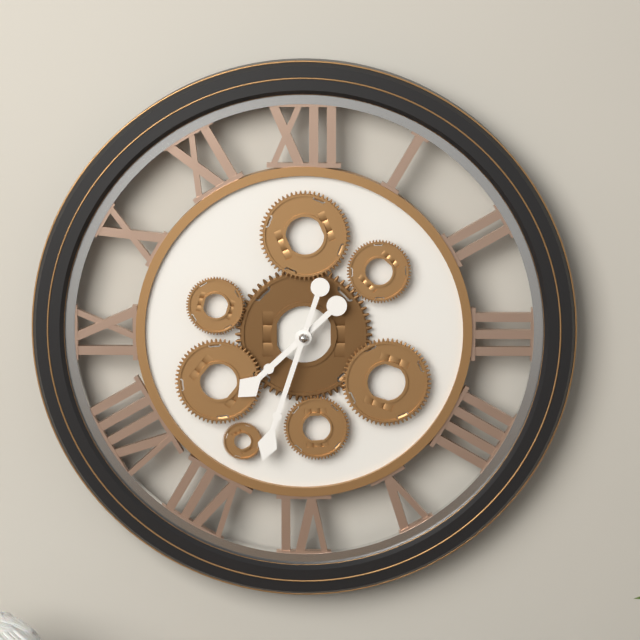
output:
7:33
